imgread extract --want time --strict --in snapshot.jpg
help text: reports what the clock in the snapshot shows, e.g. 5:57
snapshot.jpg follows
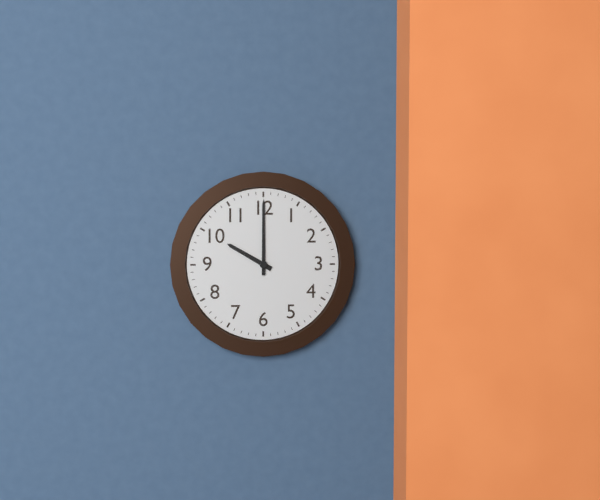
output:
10:00
